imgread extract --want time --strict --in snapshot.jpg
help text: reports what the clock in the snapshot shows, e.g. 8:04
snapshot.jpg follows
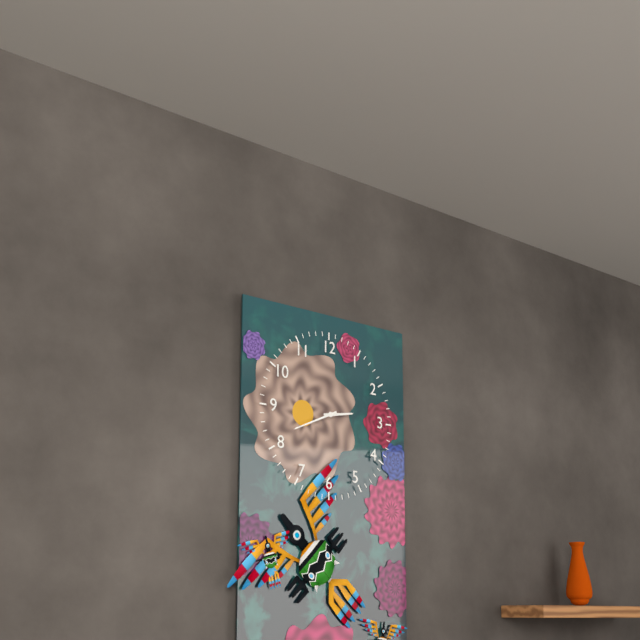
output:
2:41
